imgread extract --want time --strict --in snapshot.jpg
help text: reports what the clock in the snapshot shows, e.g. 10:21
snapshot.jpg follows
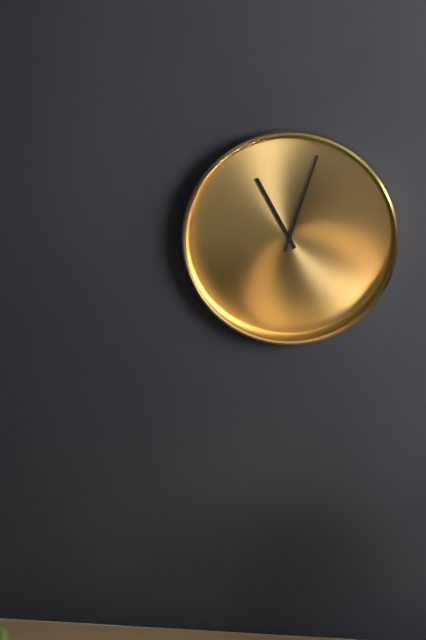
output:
11:03
